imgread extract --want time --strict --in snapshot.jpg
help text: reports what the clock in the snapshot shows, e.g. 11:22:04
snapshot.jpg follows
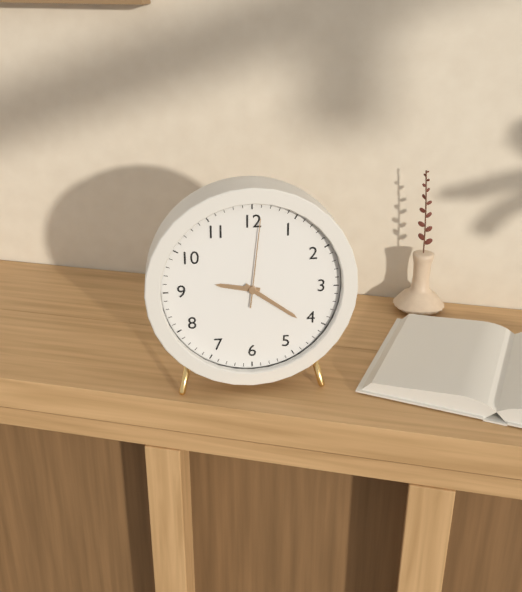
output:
9:21:01
